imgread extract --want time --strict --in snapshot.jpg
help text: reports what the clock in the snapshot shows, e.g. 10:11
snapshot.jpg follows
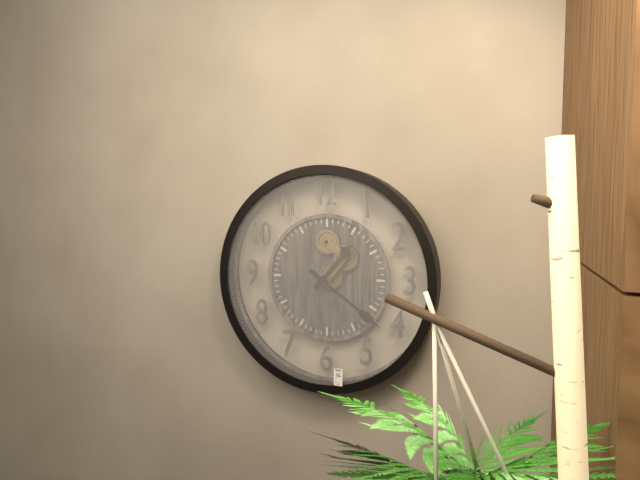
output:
1:21
